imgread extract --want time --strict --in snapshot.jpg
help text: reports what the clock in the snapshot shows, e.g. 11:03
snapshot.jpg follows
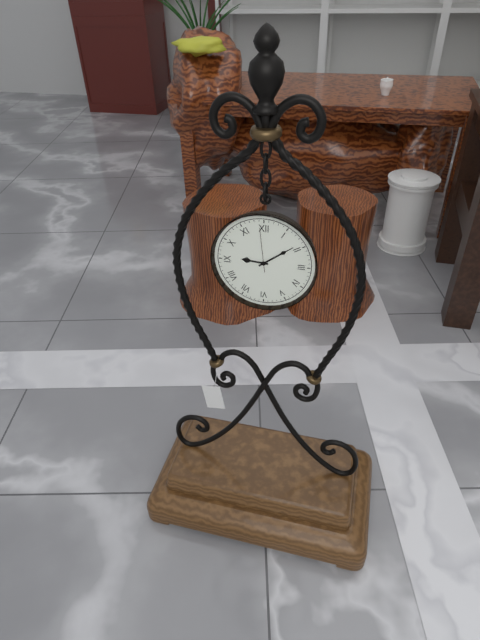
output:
9:09
